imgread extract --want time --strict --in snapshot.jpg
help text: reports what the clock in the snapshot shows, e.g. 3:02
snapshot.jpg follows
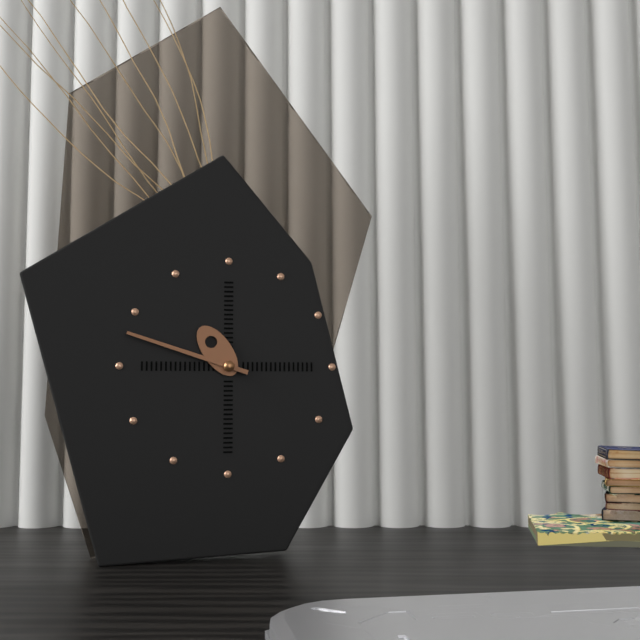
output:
10:48
